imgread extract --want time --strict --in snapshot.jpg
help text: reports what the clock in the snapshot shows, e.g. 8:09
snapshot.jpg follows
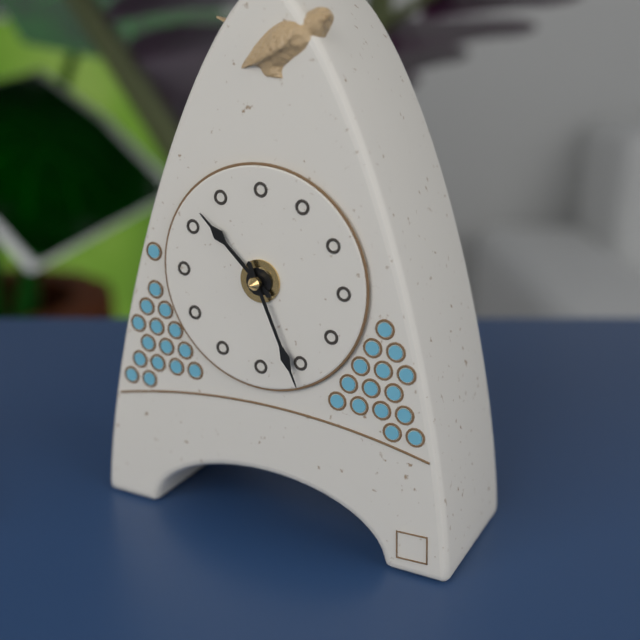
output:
10:26
